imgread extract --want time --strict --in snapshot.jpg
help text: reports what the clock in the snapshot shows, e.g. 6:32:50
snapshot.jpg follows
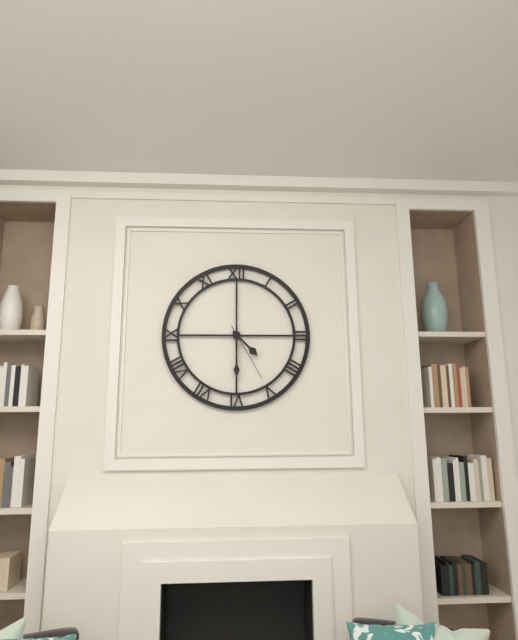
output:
4:30:25
